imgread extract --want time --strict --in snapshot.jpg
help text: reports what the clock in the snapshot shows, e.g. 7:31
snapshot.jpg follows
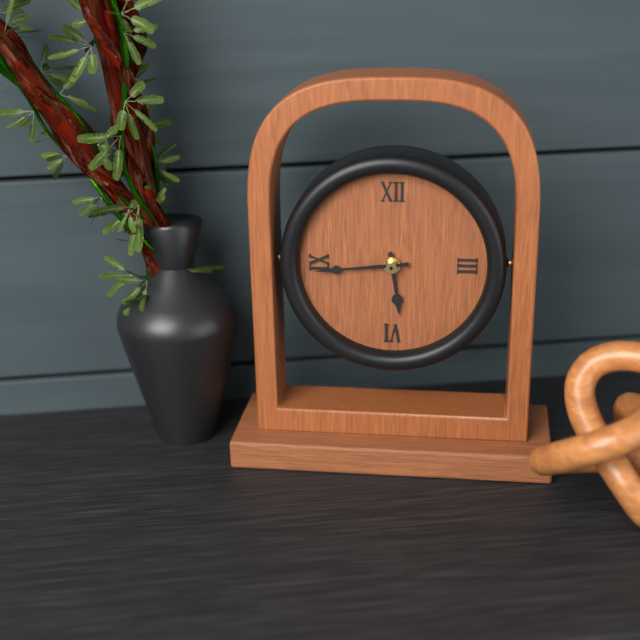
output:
5:44
